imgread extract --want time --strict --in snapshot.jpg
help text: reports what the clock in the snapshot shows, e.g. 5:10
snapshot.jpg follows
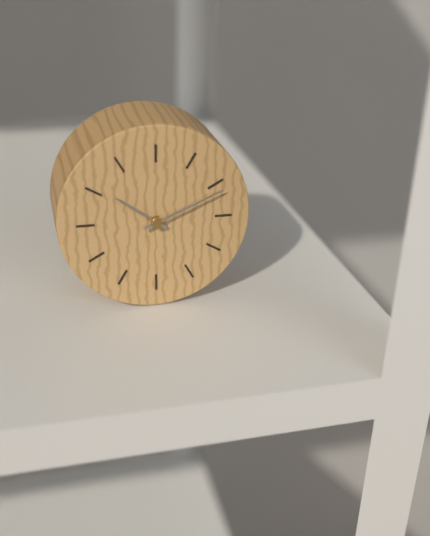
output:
10:11
